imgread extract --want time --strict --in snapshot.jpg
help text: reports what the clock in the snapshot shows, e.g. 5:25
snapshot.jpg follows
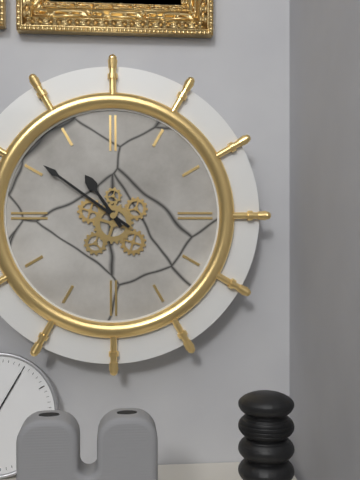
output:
10:51
